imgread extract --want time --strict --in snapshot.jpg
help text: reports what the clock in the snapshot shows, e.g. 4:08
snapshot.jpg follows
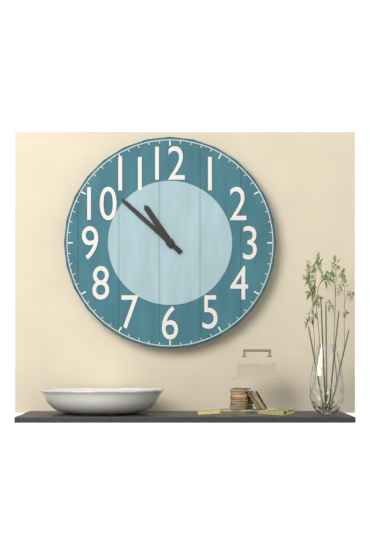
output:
10:52
